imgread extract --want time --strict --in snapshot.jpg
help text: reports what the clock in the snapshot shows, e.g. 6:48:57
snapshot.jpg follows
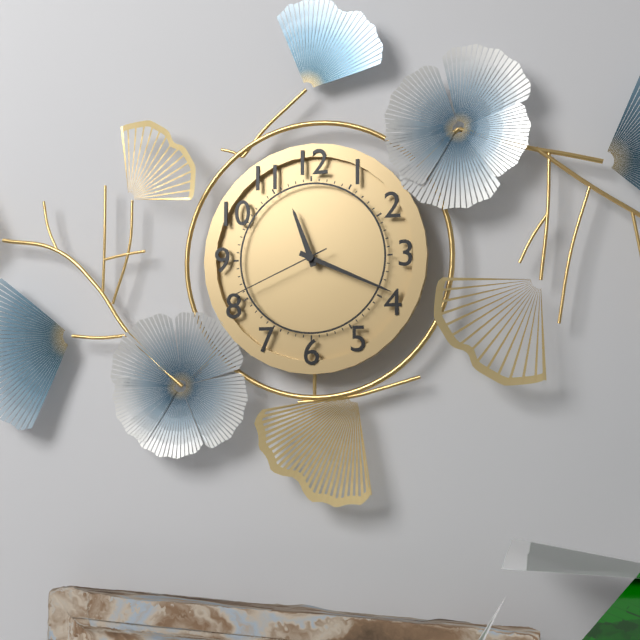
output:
11:19:41
